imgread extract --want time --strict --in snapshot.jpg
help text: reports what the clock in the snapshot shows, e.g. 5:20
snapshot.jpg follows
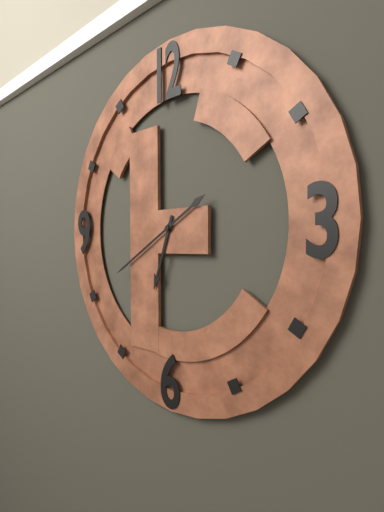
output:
6:40
